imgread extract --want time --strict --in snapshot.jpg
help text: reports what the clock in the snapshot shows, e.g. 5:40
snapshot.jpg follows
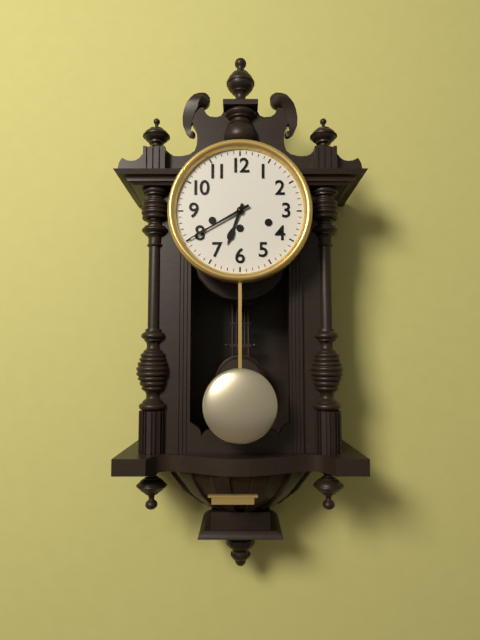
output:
6:40
